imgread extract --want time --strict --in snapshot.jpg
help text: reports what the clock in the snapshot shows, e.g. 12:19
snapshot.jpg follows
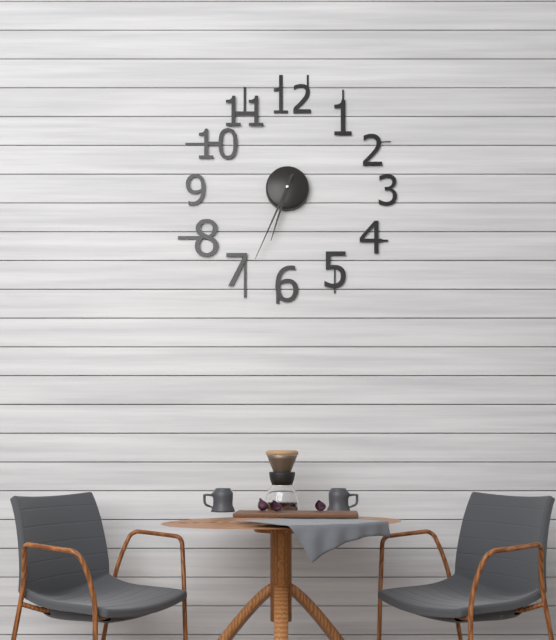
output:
6:34
